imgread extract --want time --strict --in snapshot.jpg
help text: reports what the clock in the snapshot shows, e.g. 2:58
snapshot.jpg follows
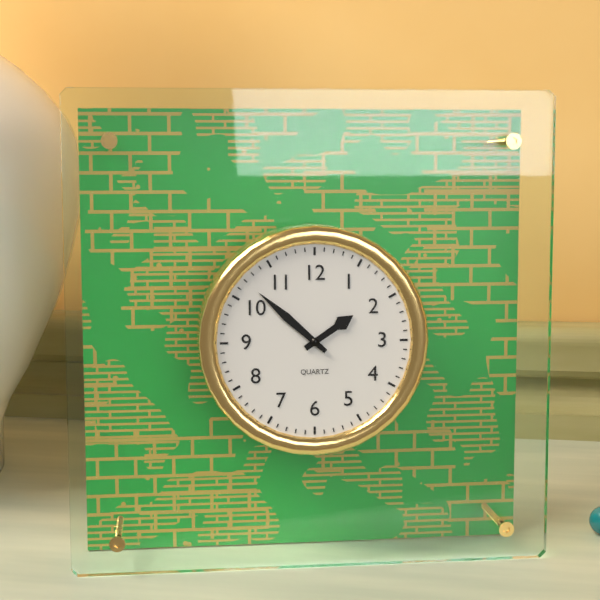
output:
1:52
